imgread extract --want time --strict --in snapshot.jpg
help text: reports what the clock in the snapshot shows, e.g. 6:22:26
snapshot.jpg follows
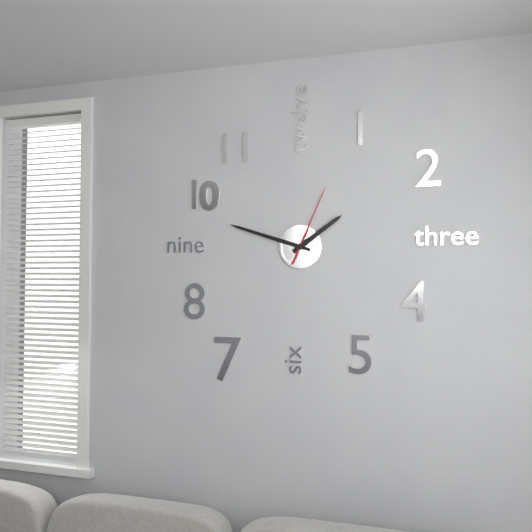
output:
1:48:04
